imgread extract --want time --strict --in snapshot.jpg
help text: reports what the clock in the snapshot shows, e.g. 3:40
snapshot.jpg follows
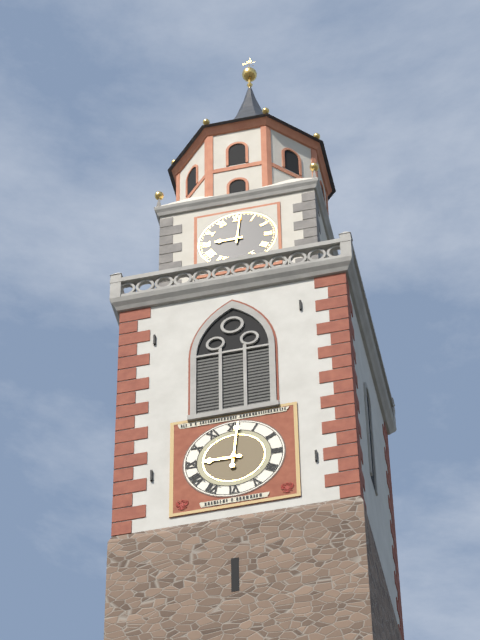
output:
9:01
